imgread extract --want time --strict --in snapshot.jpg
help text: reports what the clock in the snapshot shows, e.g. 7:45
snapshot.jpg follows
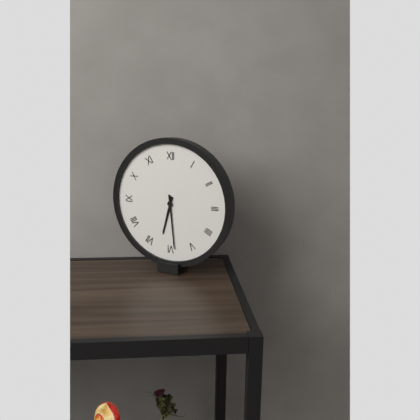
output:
6:29
